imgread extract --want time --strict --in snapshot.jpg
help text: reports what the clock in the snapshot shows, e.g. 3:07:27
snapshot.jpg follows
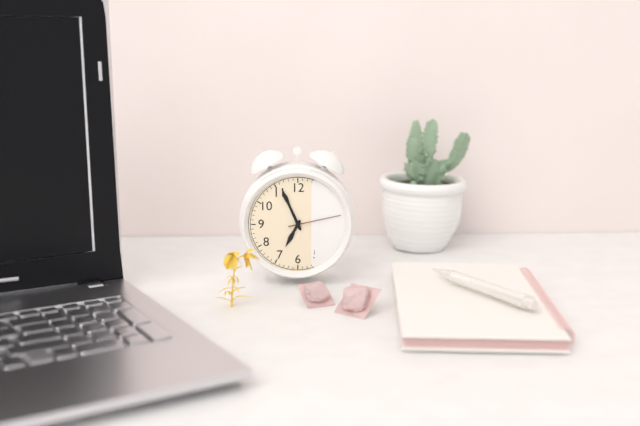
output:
6:56:13
